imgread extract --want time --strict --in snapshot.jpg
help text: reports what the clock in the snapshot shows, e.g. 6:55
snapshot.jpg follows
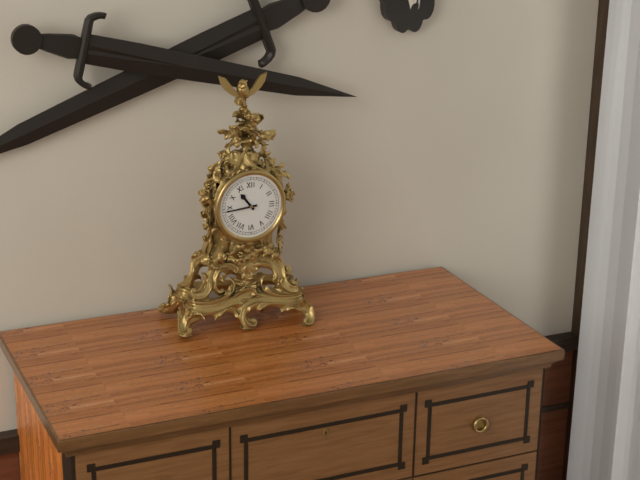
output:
10:44
